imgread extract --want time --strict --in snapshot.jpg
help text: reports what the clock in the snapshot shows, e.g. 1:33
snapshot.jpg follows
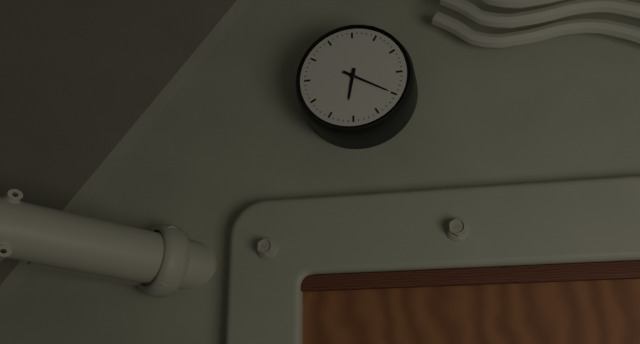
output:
6:20
